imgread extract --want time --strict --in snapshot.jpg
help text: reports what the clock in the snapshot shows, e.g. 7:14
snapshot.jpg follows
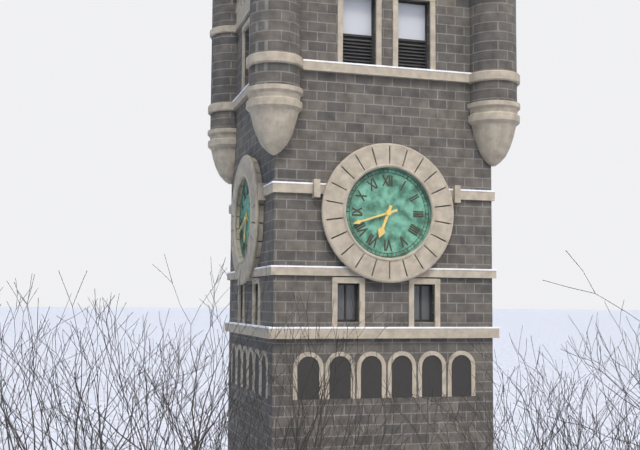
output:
6:42
